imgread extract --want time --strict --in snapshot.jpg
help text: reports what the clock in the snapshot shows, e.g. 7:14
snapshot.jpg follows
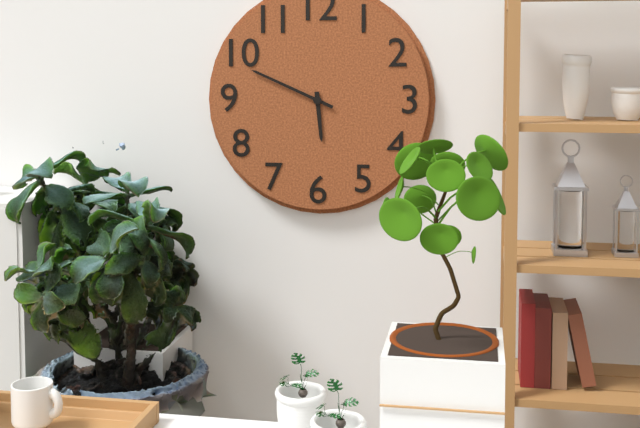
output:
5:49
